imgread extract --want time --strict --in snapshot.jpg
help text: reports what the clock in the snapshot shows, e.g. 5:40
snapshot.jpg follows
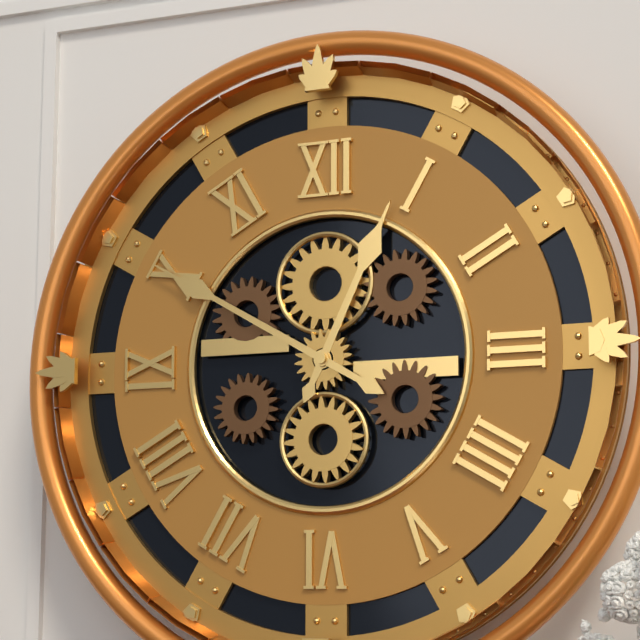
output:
12:50
